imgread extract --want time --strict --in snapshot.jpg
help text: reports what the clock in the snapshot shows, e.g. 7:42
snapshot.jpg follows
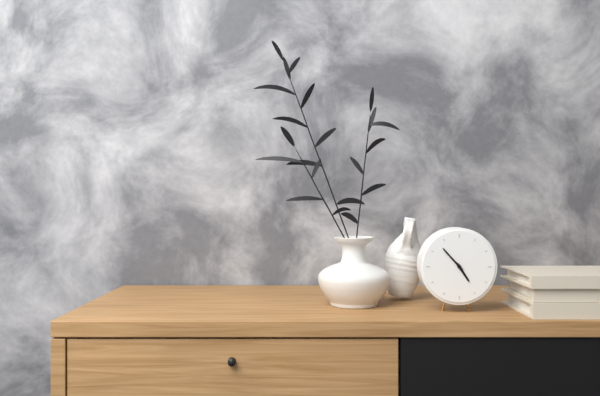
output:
4:53
